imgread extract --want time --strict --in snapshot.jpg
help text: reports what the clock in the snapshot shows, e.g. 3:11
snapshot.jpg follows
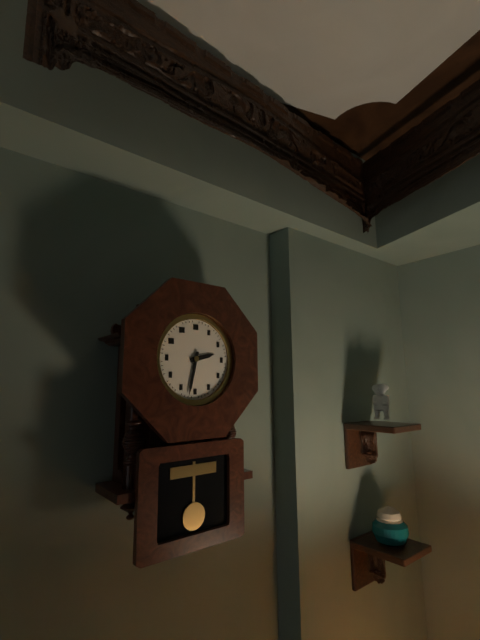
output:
2:32
